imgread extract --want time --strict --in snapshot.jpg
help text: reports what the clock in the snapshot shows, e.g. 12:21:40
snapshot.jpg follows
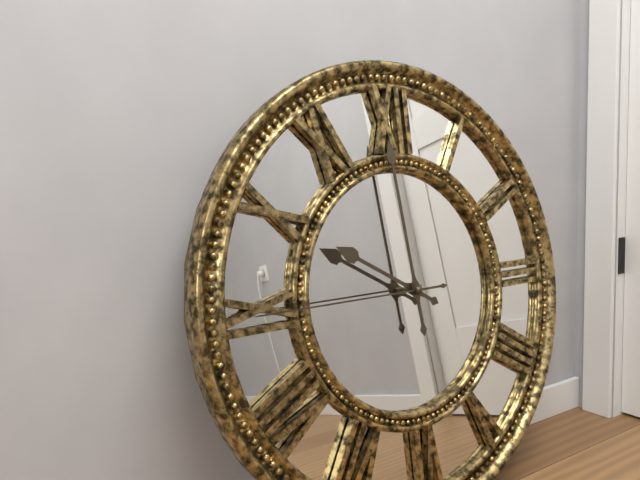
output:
9:59:45
